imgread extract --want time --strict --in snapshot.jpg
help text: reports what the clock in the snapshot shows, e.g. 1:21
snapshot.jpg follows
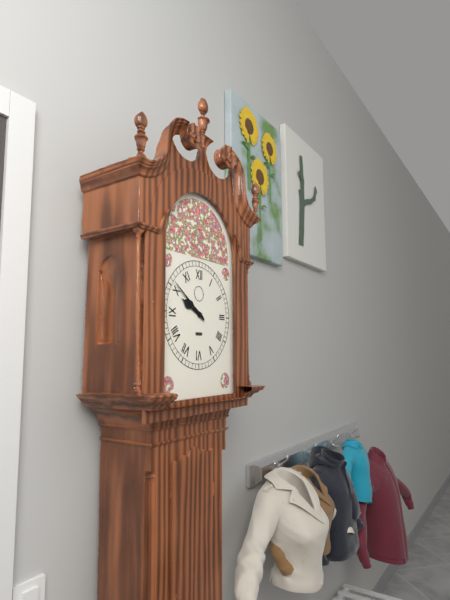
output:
9:51
